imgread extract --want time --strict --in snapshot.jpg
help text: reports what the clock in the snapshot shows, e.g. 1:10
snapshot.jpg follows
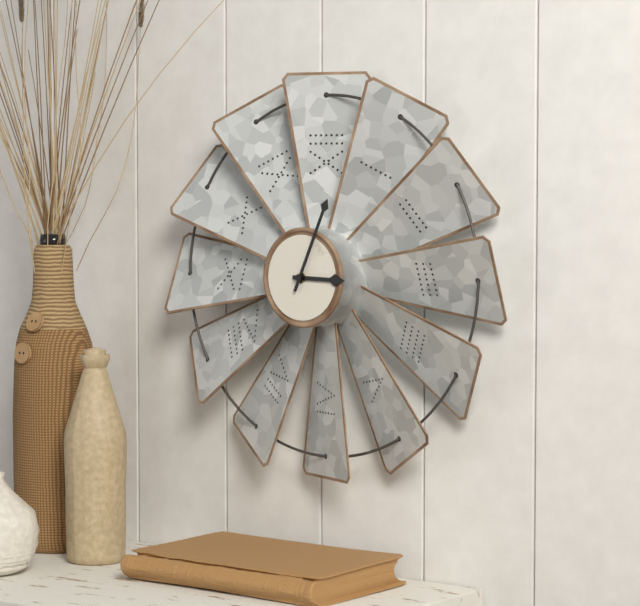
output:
3:04
